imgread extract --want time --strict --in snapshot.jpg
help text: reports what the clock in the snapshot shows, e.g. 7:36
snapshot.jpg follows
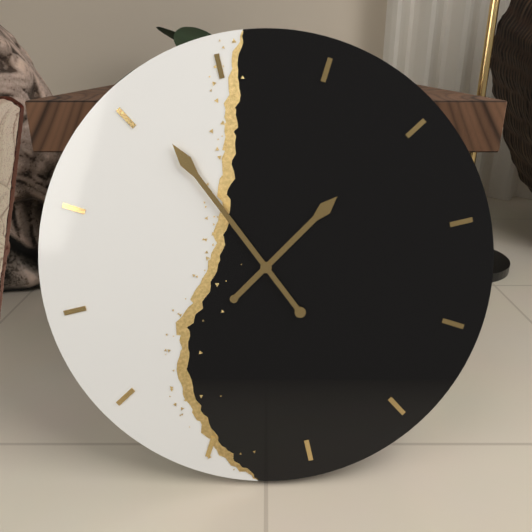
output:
1:56
